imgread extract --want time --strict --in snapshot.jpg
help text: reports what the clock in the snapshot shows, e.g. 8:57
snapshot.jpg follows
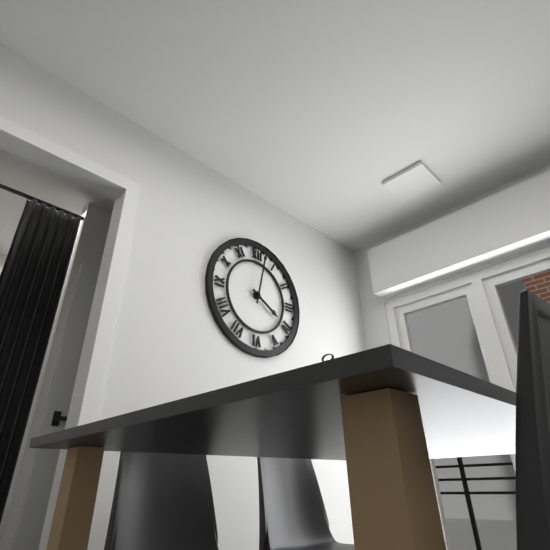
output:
4:02
